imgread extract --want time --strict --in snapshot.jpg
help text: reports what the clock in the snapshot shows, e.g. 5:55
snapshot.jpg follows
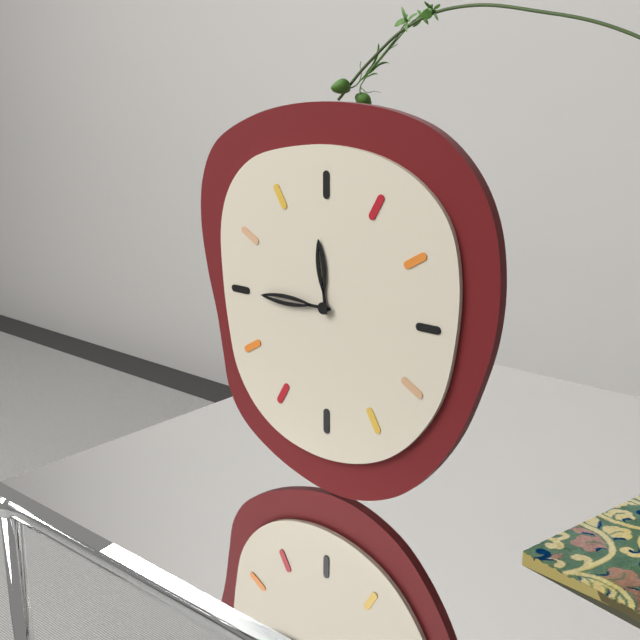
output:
11:45
